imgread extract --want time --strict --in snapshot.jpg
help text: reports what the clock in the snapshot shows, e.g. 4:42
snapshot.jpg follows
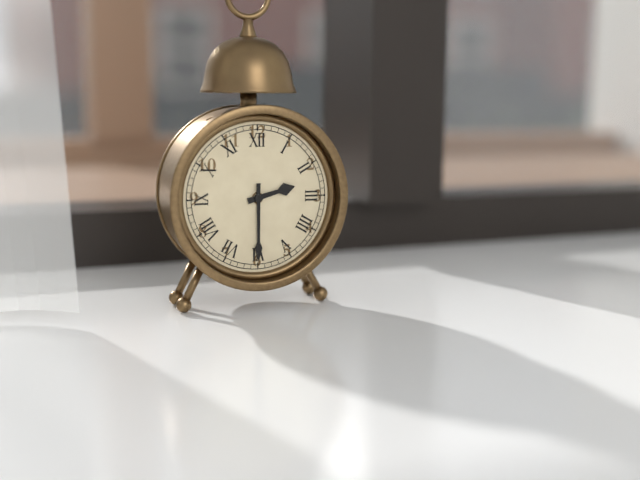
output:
2:30
